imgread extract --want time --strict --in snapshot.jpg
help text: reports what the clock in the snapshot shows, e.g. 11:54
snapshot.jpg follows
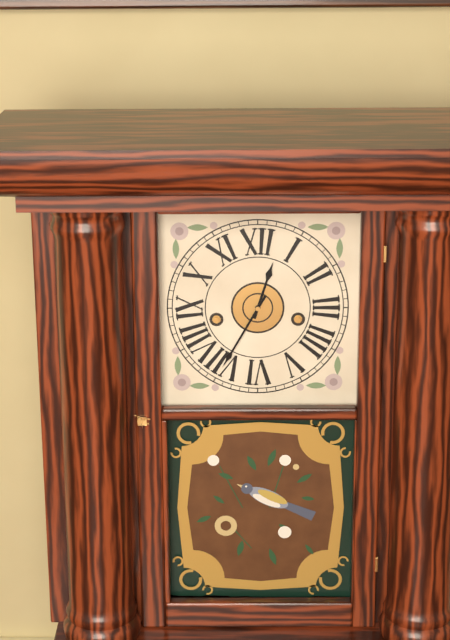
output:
12:35
